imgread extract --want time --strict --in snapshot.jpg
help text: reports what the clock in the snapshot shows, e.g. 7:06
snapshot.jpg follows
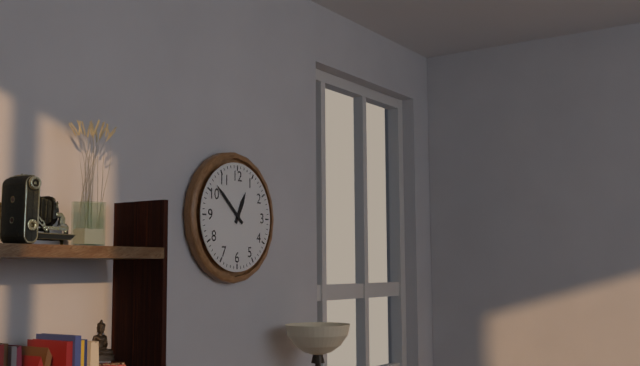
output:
12:52
